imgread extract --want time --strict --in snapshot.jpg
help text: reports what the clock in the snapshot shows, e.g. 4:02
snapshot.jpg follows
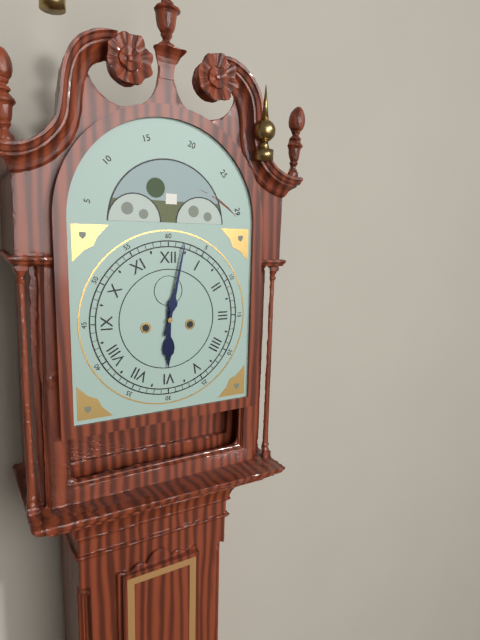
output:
6:02
